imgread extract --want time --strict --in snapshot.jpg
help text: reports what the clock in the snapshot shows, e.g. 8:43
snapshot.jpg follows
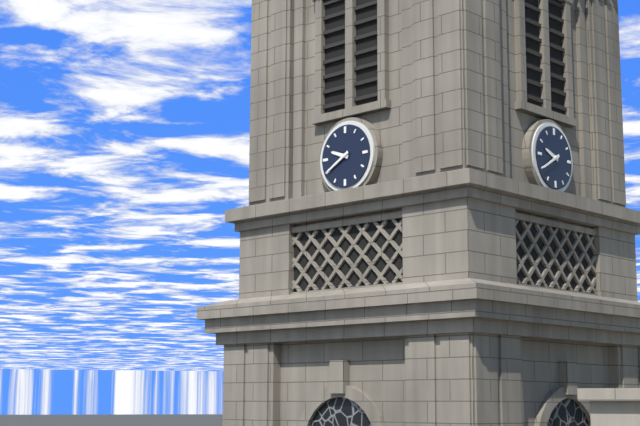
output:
9:40
